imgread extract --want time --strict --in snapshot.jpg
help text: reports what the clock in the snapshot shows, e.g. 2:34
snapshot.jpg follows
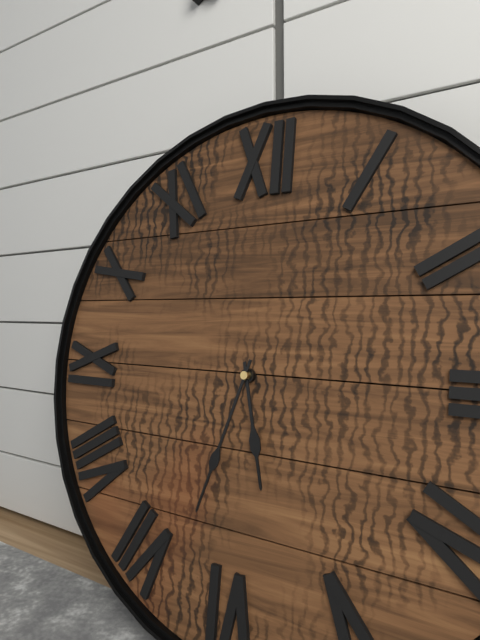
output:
5:33
